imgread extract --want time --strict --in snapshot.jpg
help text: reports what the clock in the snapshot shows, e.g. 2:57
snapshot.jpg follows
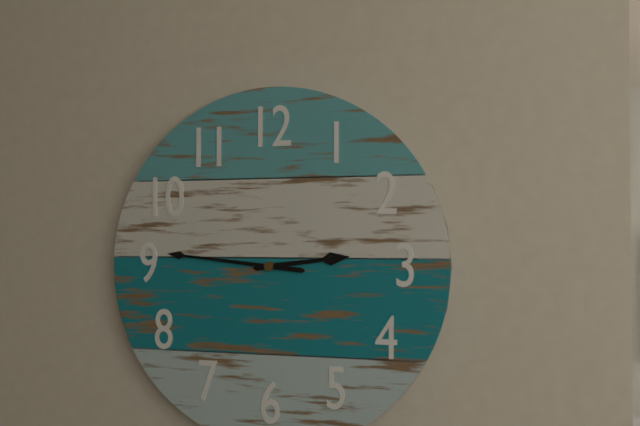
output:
2:46
